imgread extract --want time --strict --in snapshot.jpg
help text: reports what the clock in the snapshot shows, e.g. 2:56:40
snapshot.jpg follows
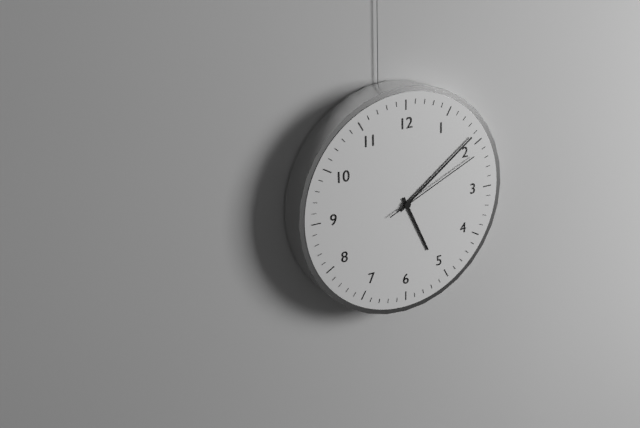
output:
5:09:11
